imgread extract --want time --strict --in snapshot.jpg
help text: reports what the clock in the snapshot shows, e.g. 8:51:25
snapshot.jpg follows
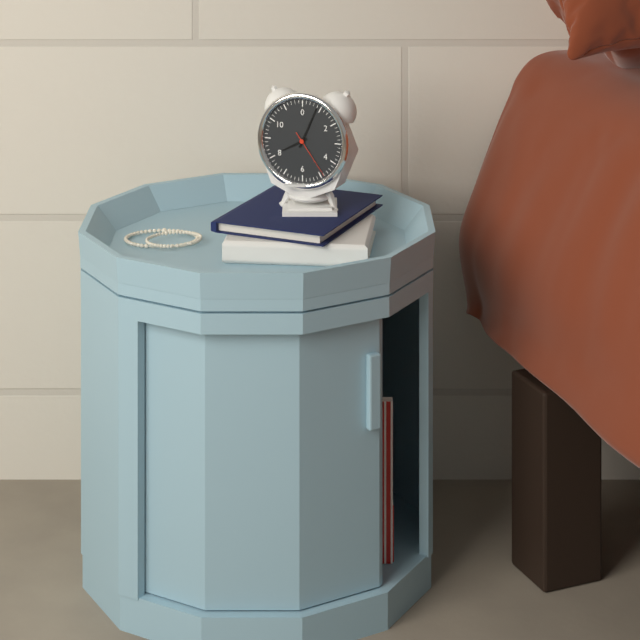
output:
8:04:24
